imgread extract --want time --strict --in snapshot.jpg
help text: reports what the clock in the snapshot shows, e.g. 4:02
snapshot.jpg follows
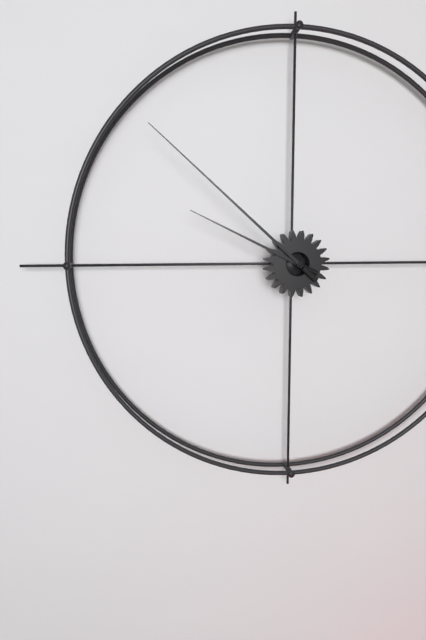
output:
9:52
